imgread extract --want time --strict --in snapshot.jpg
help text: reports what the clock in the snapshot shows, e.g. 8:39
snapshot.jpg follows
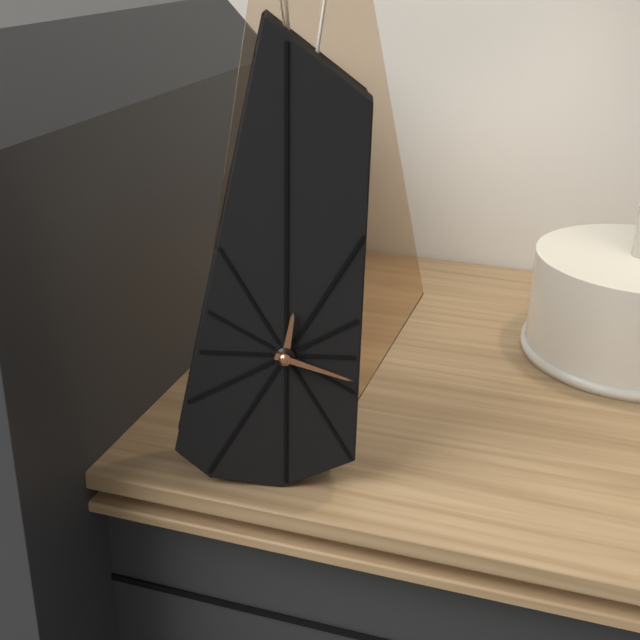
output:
12:18
